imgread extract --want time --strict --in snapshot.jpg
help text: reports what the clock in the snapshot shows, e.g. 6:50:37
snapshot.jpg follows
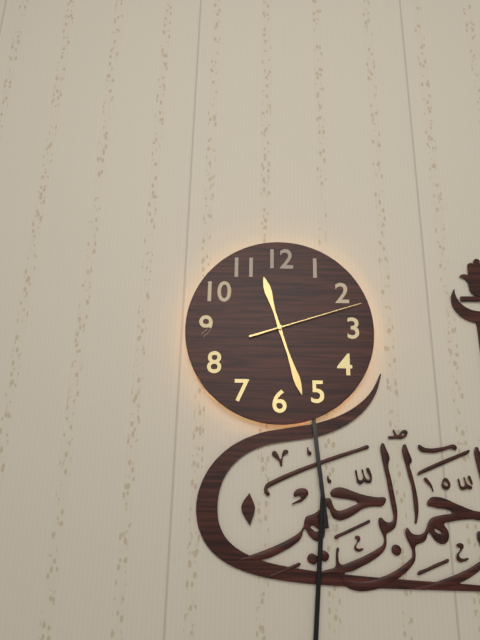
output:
11:27:12
